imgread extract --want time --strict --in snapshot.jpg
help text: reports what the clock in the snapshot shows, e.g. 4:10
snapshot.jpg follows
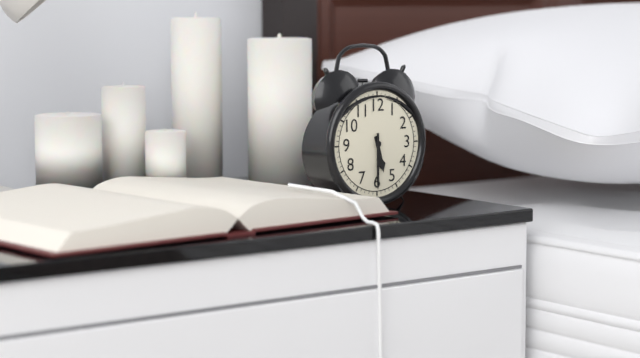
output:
5:30
